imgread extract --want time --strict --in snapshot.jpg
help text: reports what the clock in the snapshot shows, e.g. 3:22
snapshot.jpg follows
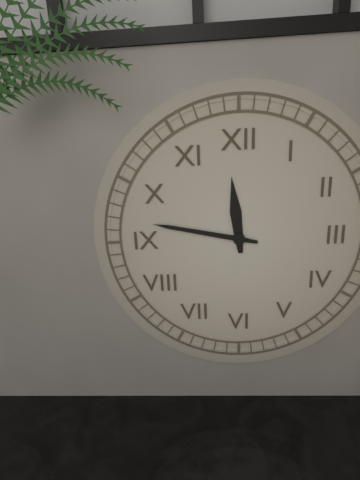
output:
11:47
